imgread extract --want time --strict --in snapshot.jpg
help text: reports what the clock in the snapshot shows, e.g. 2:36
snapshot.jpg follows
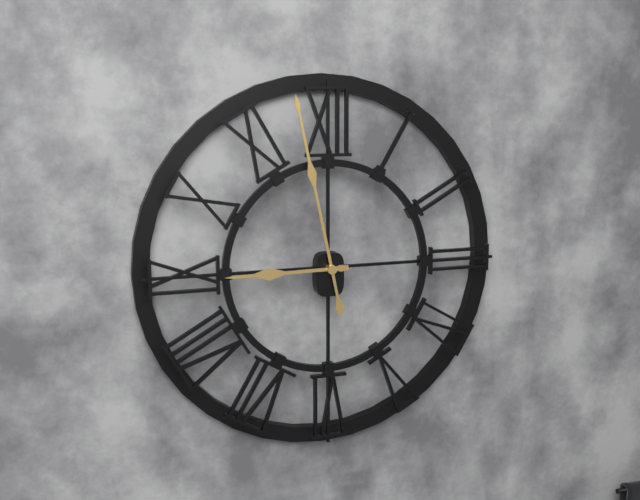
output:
8:58
